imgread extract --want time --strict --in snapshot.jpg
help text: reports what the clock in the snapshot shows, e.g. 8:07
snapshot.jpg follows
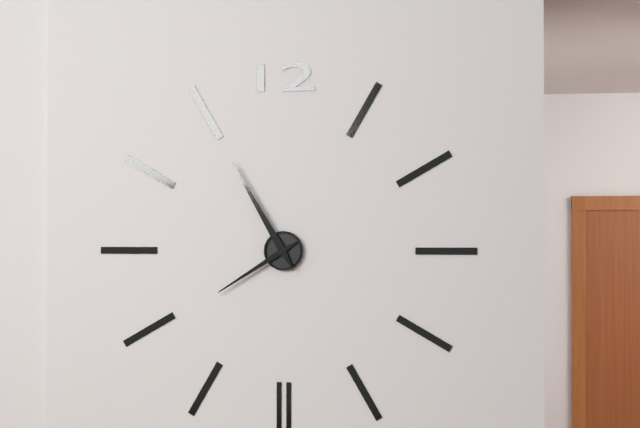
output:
7:55
